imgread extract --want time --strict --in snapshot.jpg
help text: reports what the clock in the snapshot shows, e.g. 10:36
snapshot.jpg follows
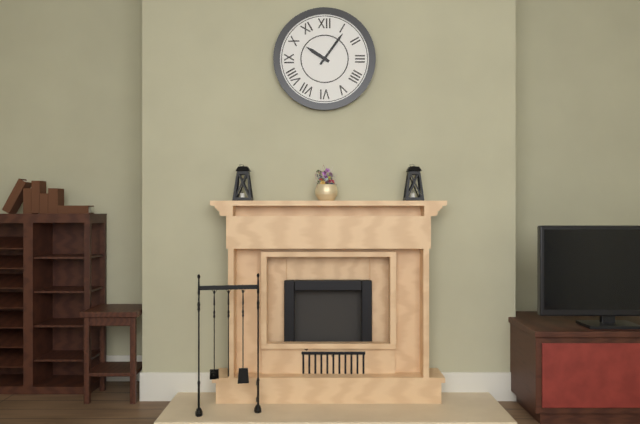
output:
10:06
